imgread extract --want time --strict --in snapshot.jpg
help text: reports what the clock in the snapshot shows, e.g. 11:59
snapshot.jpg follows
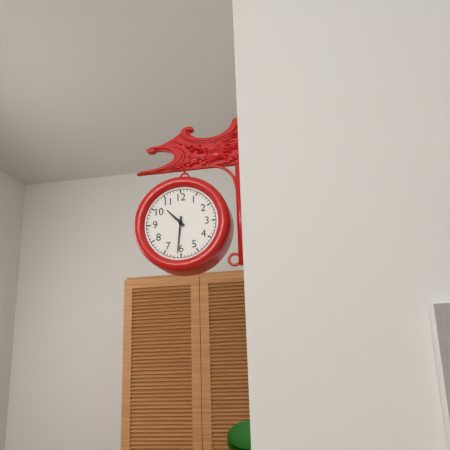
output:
10:31
